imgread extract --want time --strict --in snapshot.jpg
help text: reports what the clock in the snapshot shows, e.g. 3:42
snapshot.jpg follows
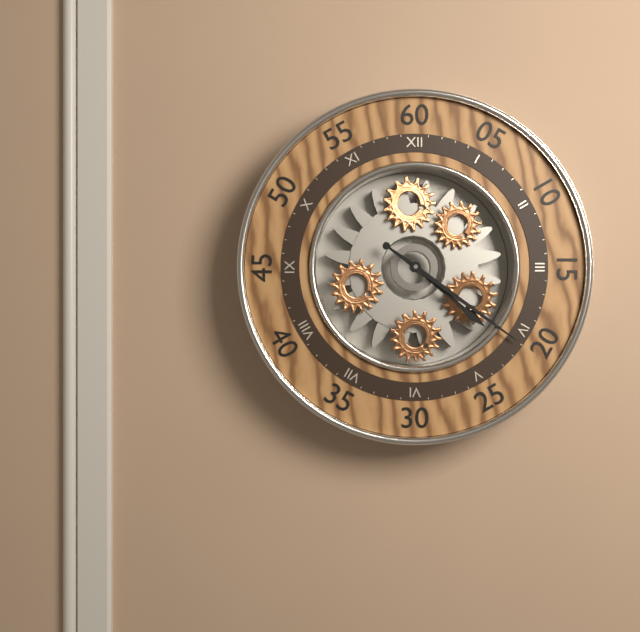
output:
4:21
